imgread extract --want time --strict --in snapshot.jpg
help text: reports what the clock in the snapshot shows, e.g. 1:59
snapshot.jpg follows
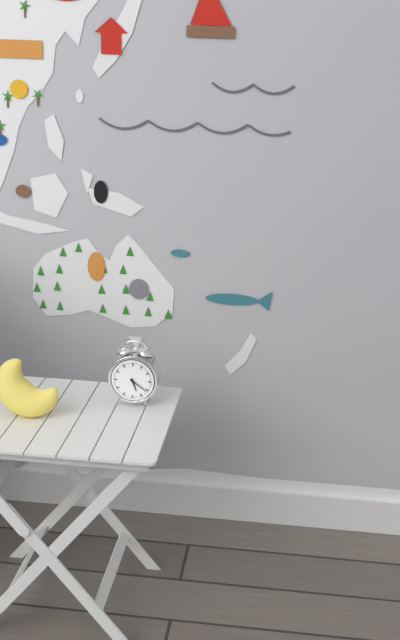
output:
5:21
